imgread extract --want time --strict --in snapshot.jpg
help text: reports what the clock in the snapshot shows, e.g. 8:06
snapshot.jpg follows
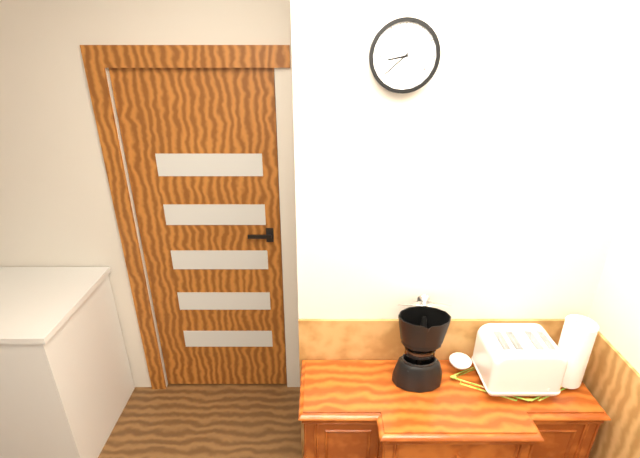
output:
8:38
